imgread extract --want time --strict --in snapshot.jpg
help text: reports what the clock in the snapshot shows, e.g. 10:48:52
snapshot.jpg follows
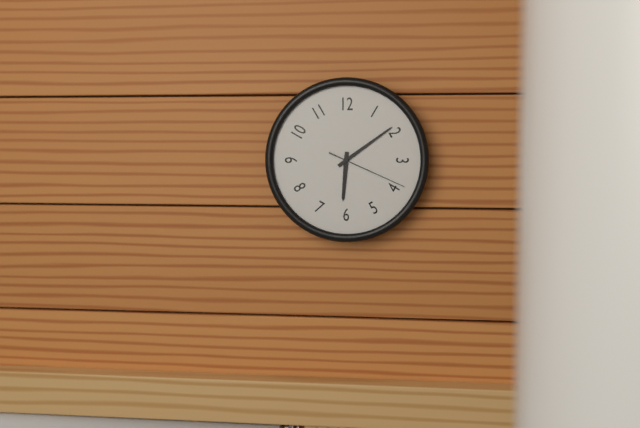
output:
6:09:19
